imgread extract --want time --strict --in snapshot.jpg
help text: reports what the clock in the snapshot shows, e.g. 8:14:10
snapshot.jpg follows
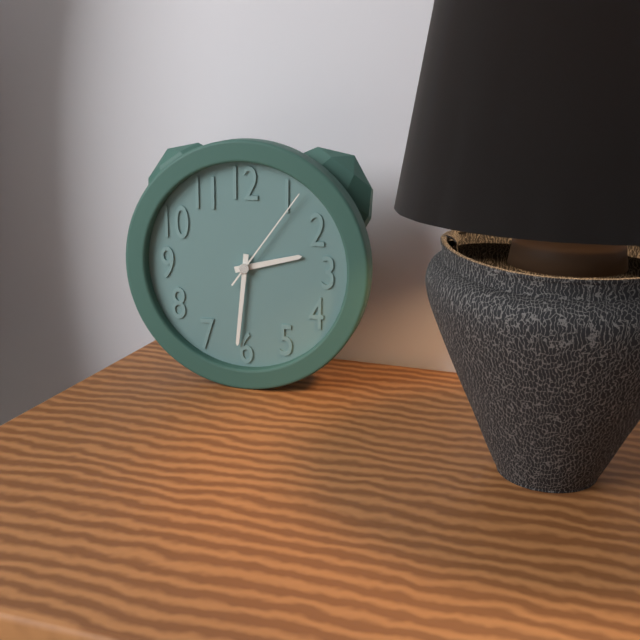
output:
2:31:06
